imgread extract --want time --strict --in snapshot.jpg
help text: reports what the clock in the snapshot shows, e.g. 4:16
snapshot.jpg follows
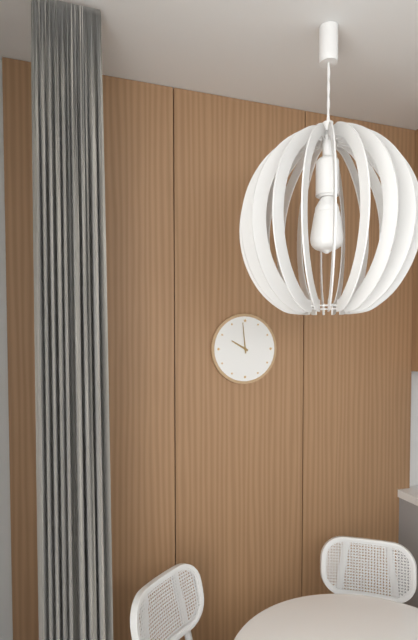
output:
9:59
